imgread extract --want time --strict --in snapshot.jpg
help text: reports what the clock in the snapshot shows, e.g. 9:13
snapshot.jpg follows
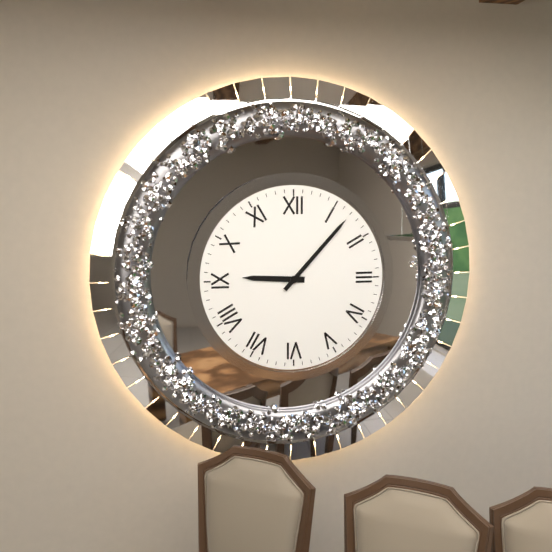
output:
9:07
